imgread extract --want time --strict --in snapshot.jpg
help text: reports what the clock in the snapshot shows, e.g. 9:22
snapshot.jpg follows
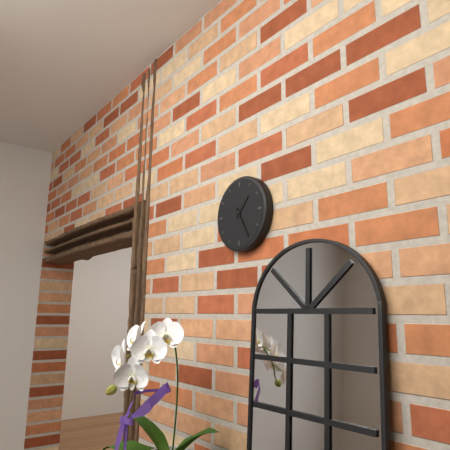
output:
1:25
